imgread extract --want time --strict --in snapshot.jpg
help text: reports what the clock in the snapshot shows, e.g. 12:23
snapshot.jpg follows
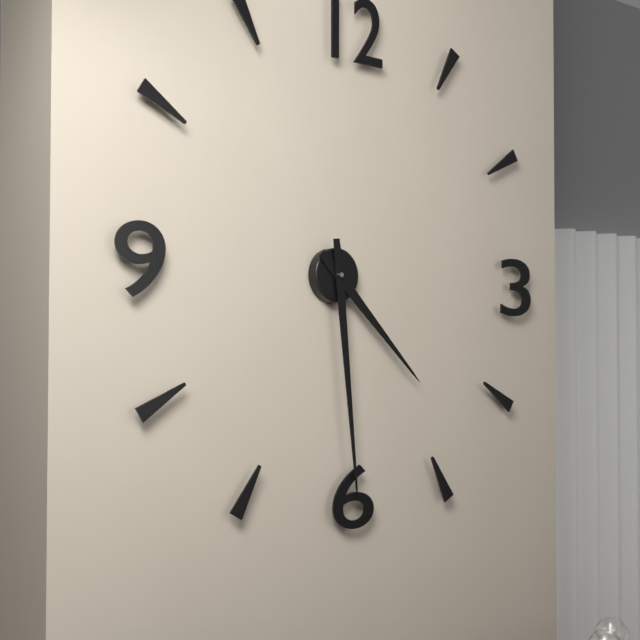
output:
4:29
